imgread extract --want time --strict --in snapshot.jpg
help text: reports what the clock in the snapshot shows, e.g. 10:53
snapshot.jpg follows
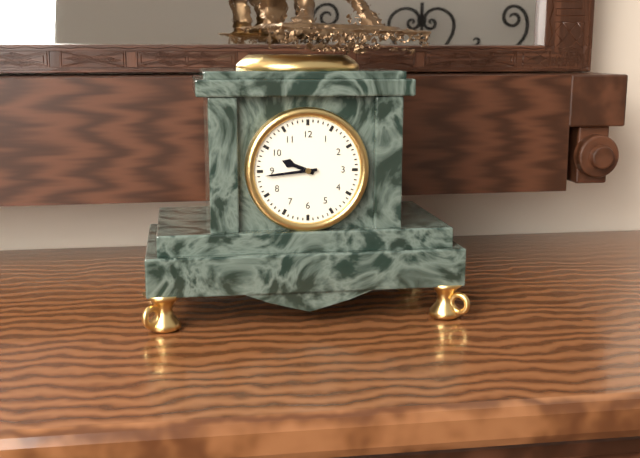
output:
9:44
